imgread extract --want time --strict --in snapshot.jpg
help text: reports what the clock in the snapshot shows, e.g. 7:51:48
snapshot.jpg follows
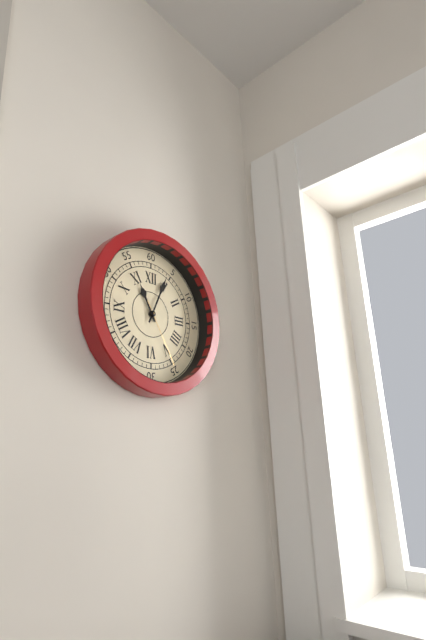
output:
11:04:25
